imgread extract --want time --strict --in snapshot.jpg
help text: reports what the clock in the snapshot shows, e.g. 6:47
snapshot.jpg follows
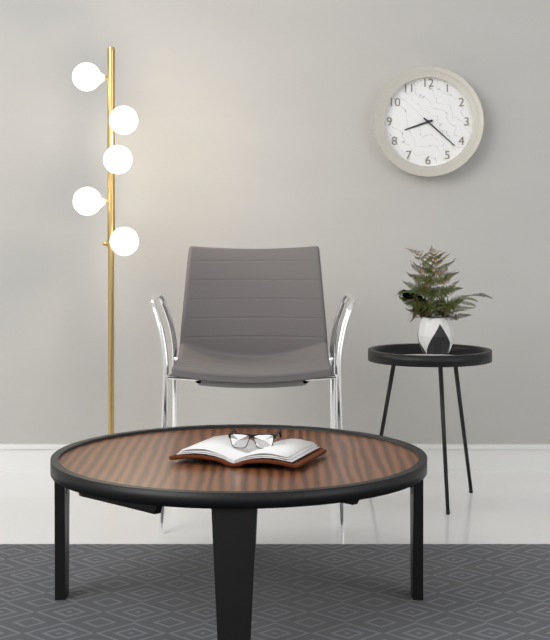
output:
8:22
